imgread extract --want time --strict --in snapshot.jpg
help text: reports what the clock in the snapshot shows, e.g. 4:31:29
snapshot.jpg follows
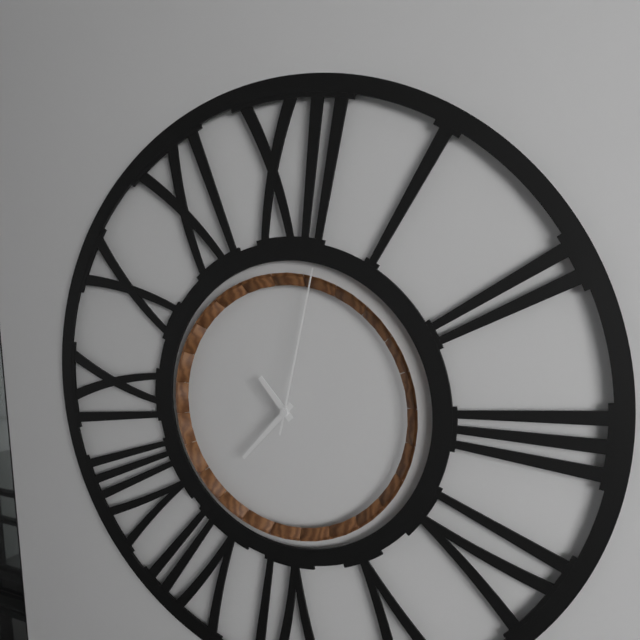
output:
10:37:02
